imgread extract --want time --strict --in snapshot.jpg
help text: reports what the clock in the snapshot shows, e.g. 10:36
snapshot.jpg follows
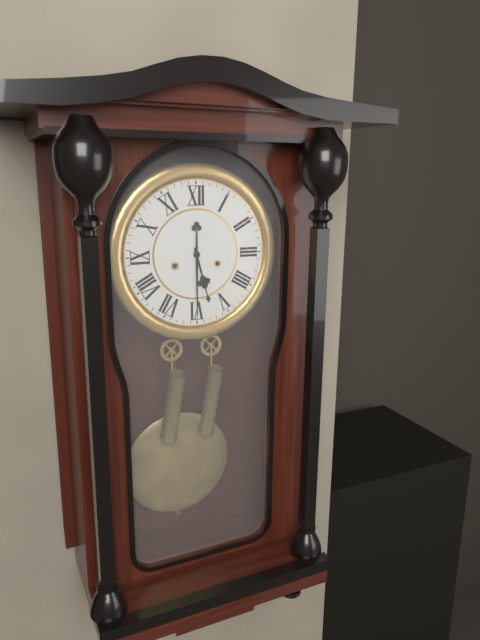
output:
5:30
